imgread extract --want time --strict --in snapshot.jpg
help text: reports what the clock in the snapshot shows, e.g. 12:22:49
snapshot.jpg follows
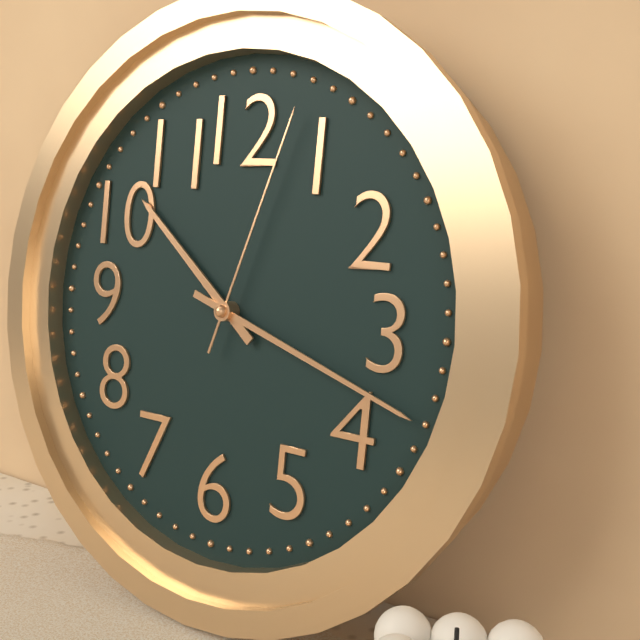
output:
10:18:03
